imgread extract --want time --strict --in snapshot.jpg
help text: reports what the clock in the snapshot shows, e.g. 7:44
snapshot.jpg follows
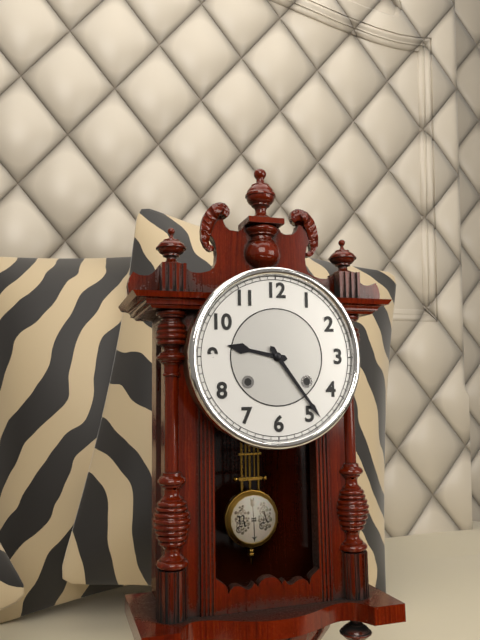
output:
9:24
